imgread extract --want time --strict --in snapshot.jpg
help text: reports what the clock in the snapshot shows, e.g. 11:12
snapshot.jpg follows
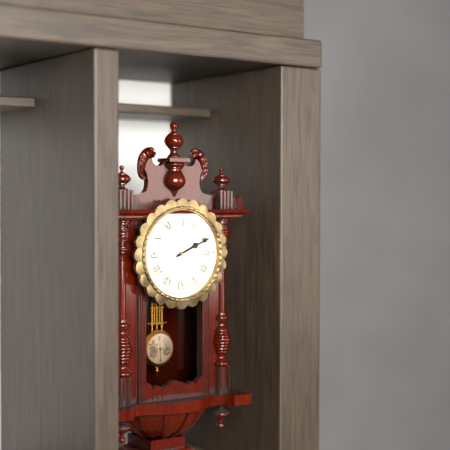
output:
2:11
